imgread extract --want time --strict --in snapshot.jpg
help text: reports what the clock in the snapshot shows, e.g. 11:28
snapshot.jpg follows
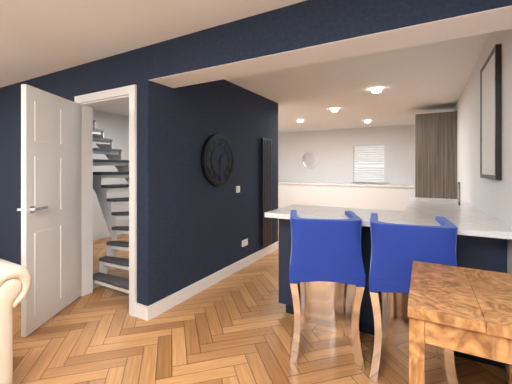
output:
1:31
